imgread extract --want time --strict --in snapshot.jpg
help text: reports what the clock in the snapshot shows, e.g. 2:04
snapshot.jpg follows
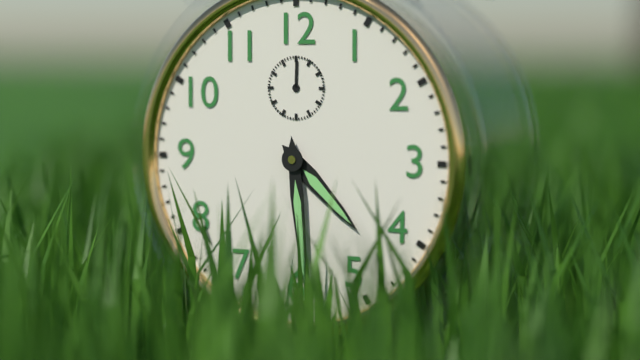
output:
4:29
